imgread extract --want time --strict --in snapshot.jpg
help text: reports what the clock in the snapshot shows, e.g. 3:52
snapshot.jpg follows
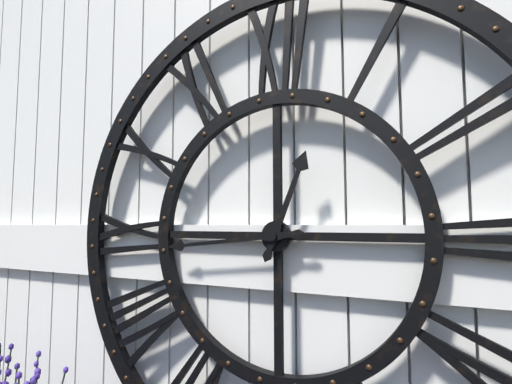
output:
12:44
